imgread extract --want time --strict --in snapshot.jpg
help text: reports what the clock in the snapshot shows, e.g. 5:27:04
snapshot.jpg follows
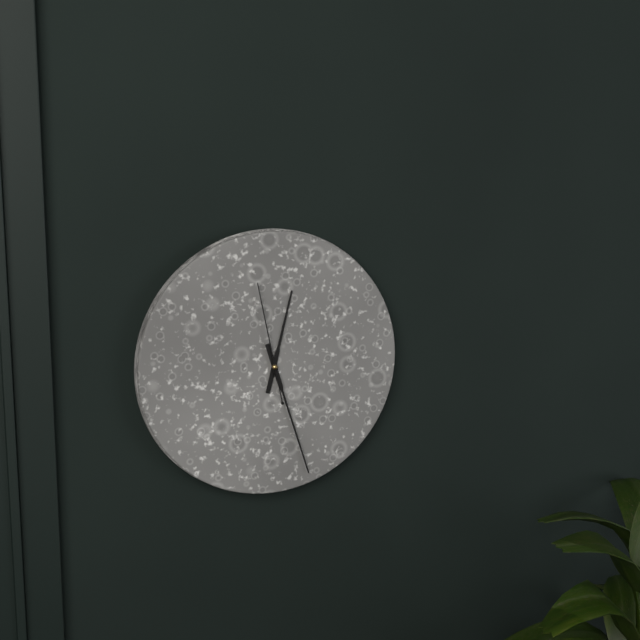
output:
12:27:58
